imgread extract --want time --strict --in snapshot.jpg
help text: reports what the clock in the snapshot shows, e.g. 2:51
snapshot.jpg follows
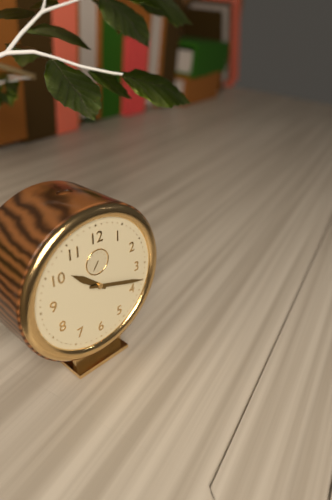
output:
10:18
